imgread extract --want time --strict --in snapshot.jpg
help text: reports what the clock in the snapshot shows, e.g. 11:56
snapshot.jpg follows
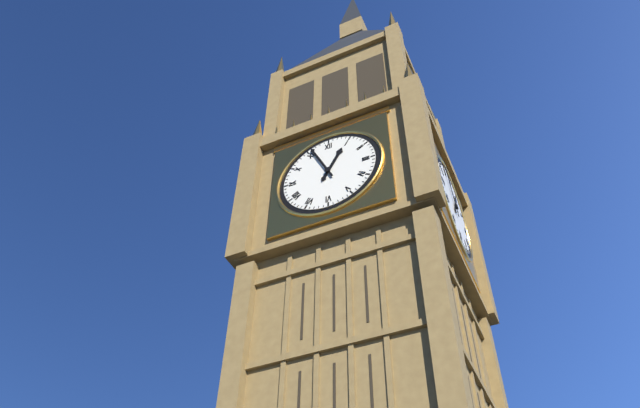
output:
12:56
